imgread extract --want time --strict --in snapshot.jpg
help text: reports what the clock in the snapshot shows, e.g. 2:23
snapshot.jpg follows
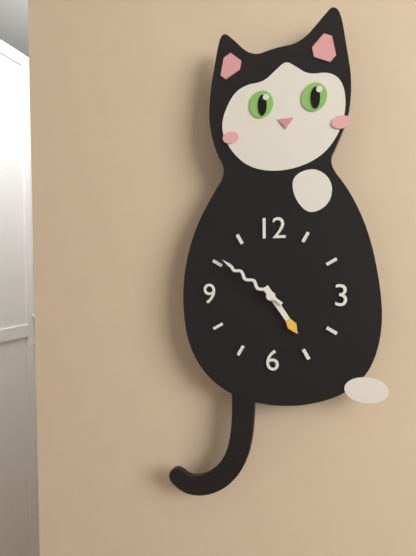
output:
4:51
